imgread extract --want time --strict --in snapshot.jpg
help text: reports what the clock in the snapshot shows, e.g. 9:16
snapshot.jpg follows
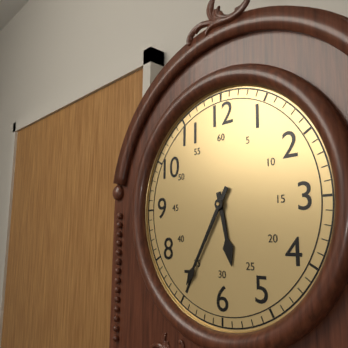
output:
5:35
